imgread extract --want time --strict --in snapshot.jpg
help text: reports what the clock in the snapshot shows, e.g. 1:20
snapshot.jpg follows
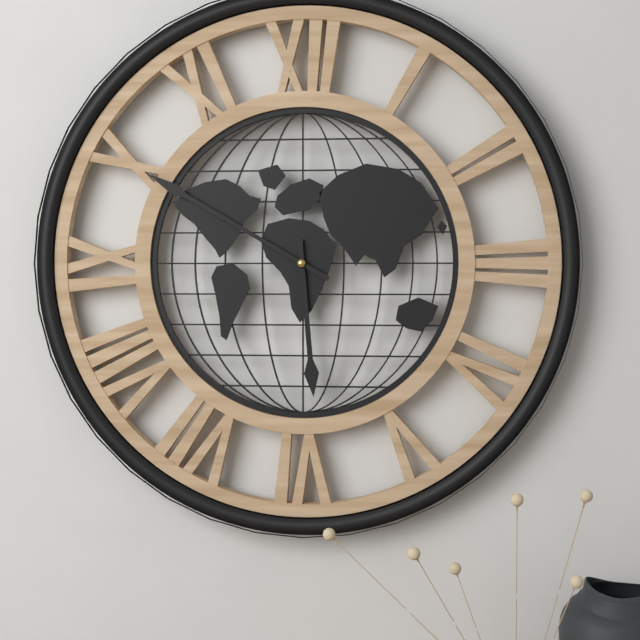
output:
5:50
